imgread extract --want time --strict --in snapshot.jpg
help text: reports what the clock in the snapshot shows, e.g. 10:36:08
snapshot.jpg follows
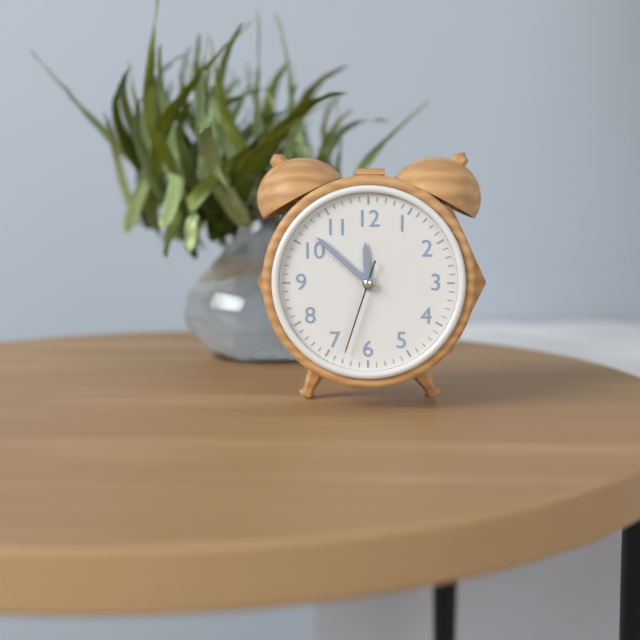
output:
11:52:33
